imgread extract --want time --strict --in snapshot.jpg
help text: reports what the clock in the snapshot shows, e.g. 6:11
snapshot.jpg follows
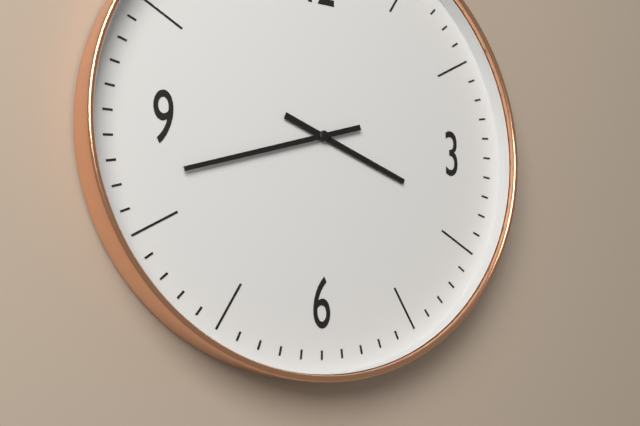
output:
3:42
